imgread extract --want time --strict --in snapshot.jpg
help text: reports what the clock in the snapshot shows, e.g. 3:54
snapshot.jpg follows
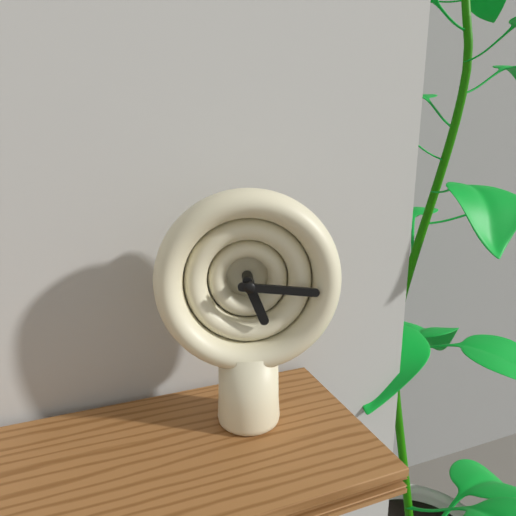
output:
5:16
